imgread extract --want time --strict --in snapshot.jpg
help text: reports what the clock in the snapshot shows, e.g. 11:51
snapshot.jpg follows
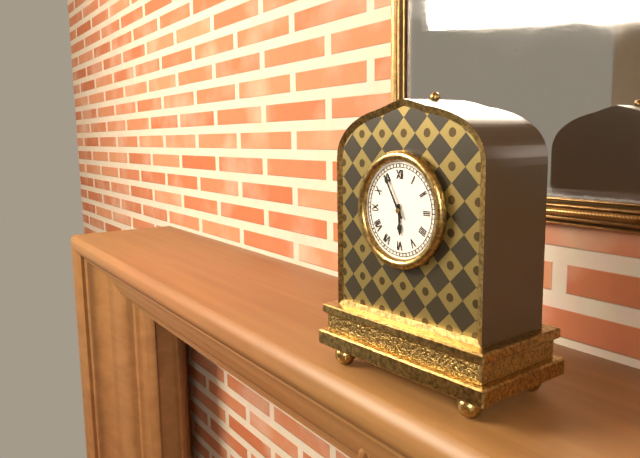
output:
5:55
